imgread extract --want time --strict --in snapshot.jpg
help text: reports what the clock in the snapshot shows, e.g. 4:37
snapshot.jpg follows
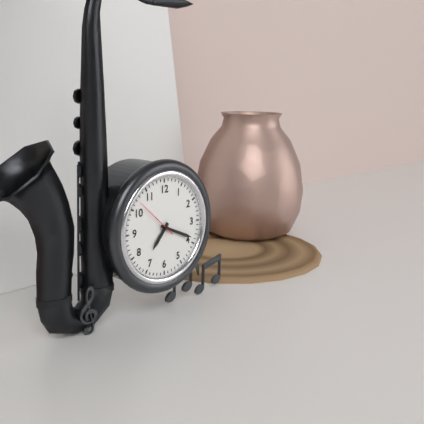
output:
7:19
